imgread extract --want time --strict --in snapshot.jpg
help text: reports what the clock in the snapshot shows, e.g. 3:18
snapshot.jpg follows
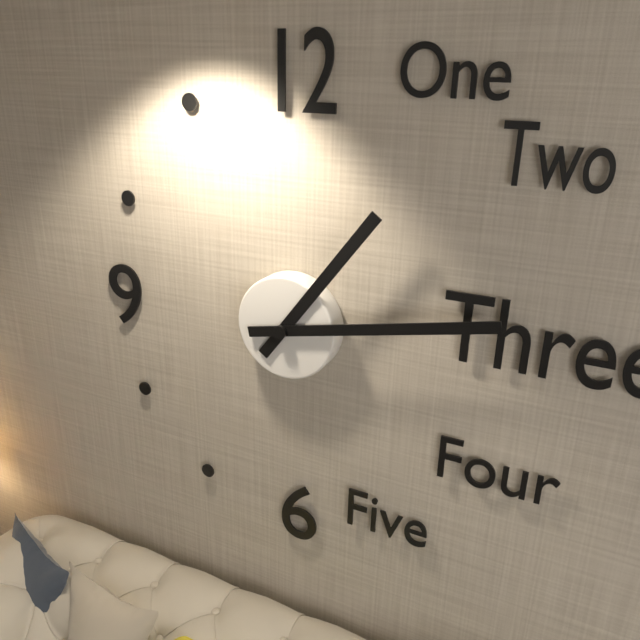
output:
1:13
